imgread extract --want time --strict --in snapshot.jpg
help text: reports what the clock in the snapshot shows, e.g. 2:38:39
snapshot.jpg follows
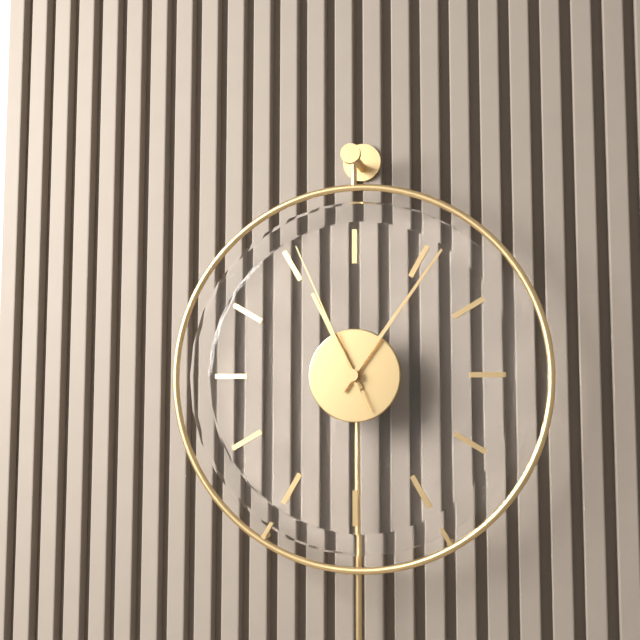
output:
11:06:56
